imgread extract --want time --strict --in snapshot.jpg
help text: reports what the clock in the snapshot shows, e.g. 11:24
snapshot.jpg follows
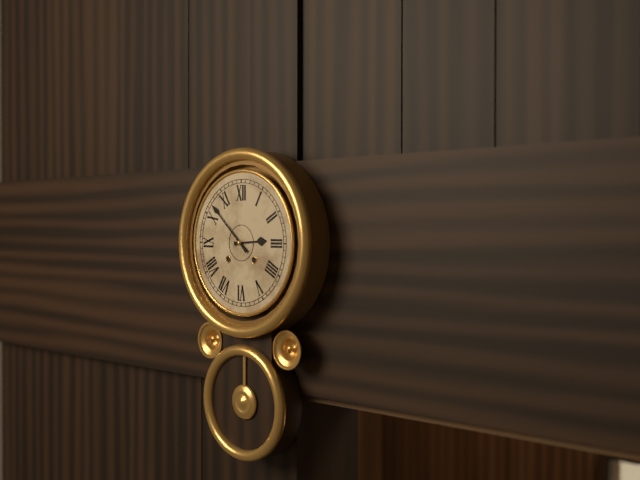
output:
2:52
